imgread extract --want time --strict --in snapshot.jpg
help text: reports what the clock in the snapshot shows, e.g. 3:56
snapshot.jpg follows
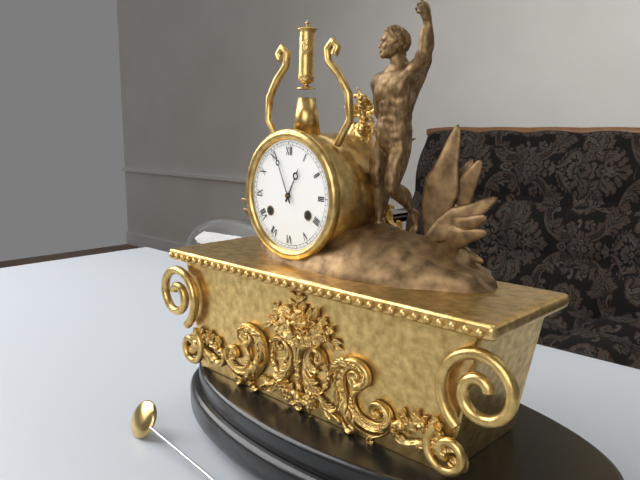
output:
12:56
